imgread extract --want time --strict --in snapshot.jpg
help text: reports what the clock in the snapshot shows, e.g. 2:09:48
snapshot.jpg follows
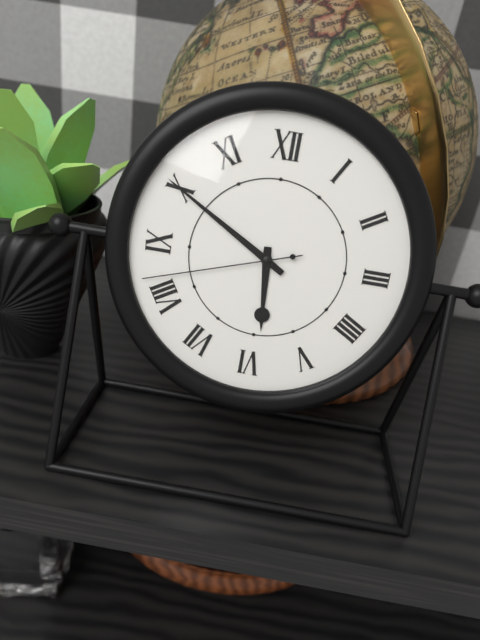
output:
5:50:42
